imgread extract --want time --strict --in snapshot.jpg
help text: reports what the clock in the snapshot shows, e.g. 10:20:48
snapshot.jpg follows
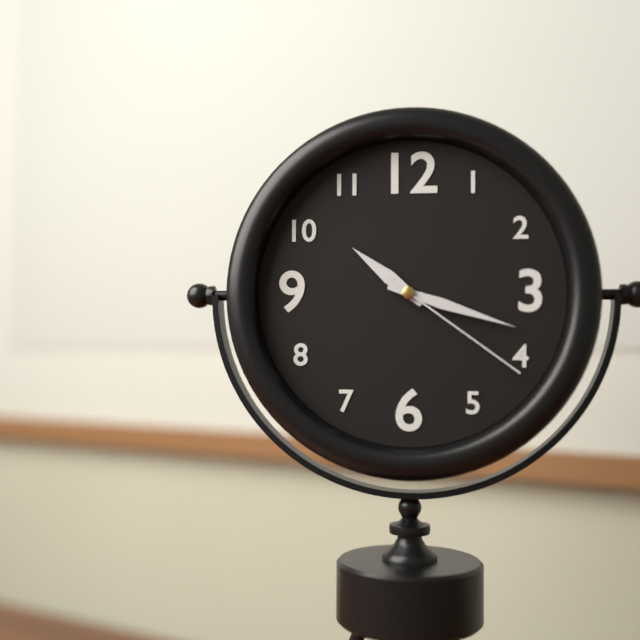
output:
10:18:21
